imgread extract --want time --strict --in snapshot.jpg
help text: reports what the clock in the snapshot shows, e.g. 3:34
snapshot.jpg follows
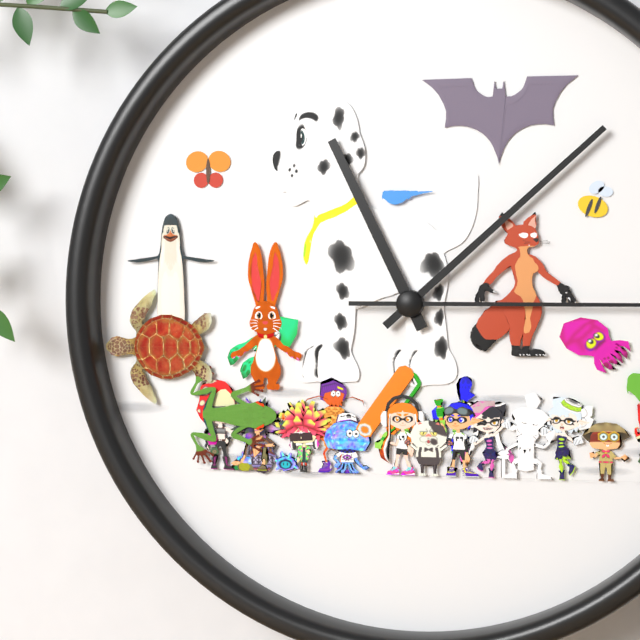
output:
11:08
